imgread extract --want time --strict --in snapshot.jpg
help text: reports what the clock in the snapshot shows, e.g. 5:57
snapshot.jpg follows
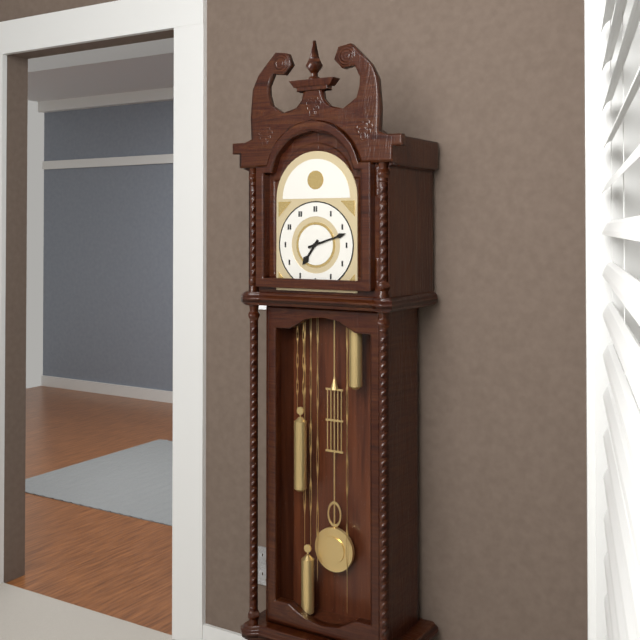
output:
7:12
